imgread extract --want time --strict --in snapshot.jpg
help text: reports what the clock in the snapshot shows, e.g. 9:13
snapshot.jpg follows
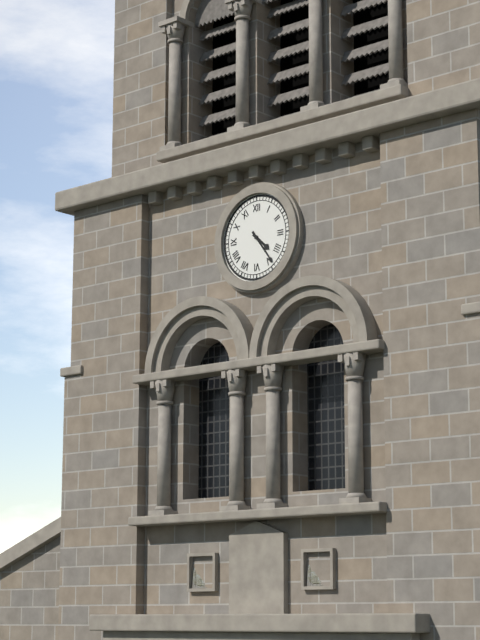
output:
4:24
